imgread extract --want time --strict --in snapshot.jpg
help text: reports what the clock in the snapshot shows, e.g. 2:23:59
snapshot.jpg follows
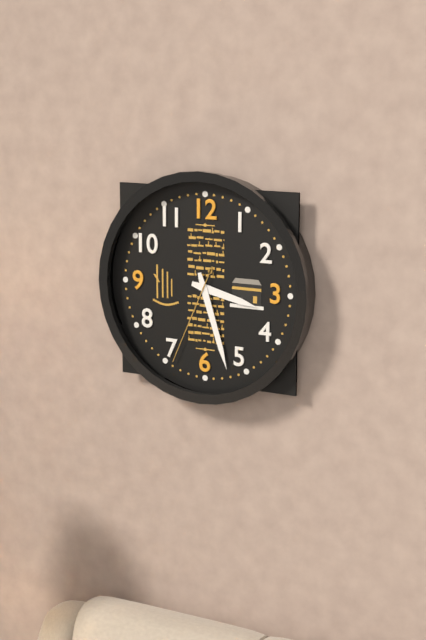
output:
3:27:34
